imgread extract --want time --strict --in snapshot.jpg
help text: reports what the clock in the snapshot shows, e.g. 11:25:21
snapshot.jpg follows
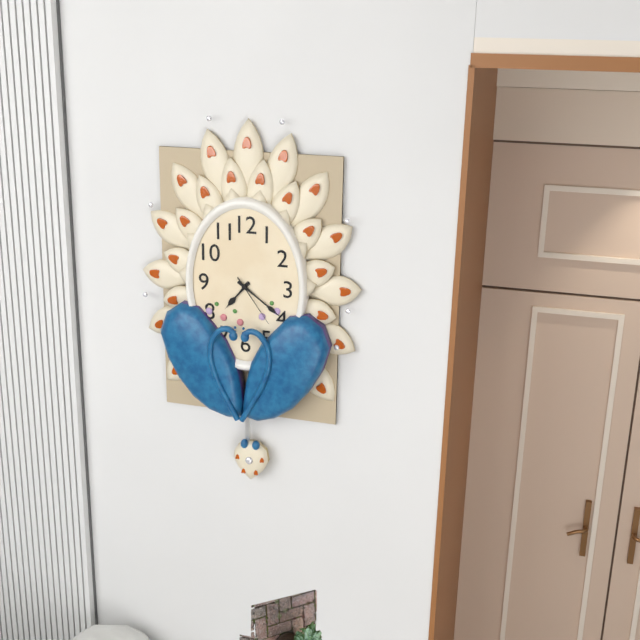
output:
7:21:24
